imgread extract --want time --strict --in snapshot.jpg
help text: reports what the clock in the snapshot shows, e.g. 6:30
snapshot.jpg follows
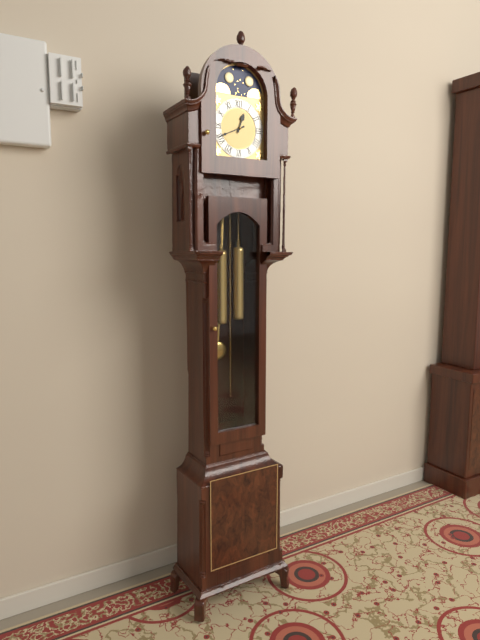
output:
12:41
